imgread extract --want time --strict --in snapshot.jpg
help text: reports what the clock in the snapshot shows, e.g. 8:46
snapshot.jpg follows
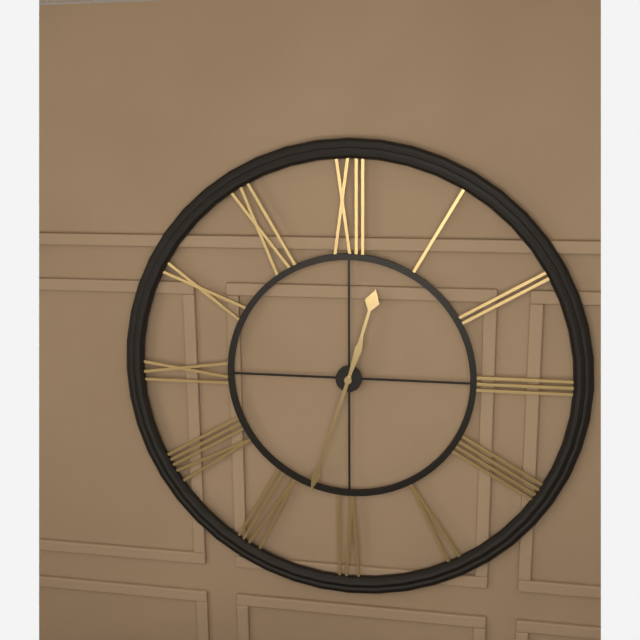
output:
12:33
